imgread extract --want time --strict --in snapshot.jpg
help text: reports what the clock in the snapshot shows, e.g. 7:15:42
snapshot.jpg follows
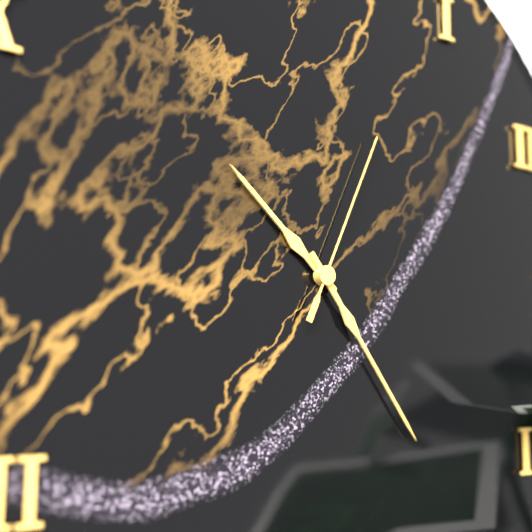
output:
10:24:04
